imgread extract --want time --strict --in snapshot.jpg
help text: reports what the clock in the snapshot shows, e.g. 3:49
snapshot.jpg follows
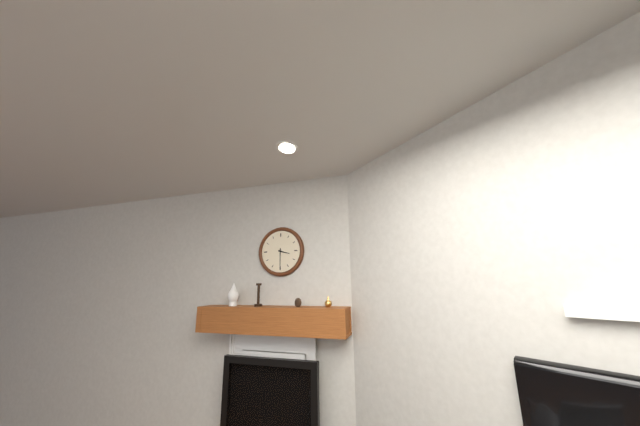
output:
3:30
